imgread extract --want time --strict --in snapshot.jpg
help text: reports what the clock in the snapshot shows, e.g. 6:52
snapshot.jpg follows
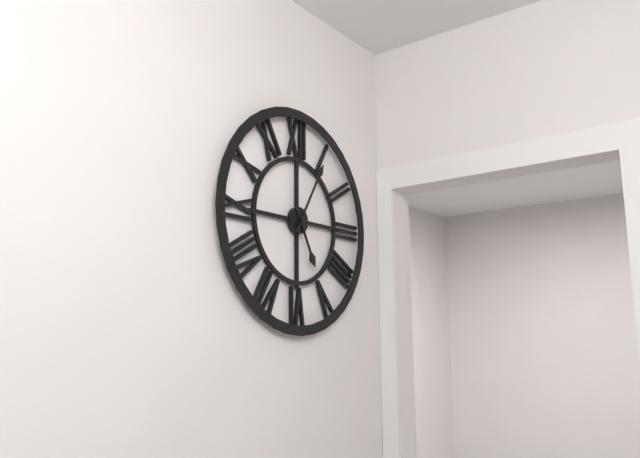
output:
5:05
